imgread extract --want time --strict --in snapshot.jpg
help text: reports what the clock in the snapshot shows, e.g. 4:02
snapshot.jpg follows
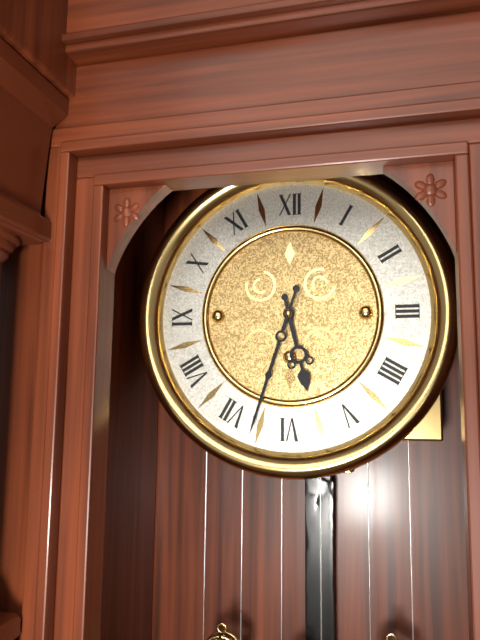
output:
5:33
